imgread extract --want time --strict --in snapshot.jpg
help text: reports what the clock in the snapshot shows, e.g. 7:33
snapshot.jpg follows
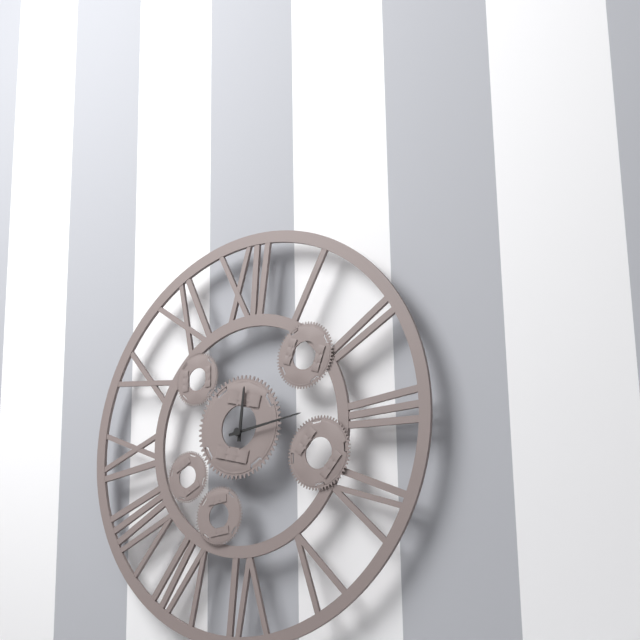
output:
12:14
